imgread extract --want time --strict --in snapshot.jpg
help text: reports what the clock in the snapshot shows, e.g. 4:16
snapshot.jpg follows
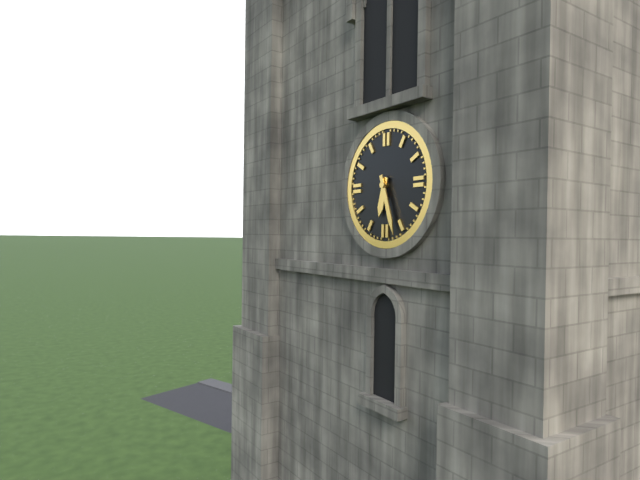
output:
6:27
